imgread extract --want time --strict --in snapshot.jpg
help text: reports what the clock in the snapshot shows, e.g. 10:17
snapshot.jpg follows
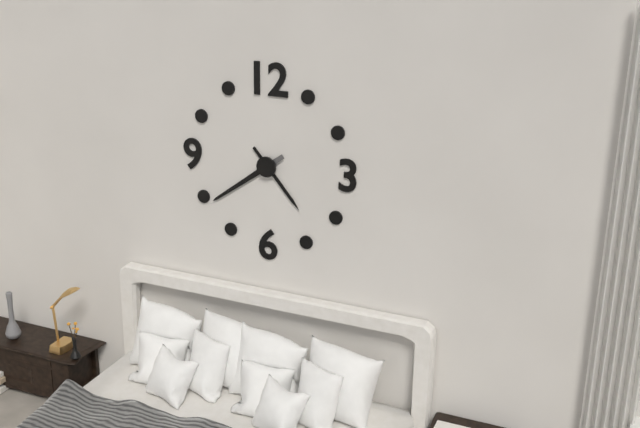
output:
4:39
